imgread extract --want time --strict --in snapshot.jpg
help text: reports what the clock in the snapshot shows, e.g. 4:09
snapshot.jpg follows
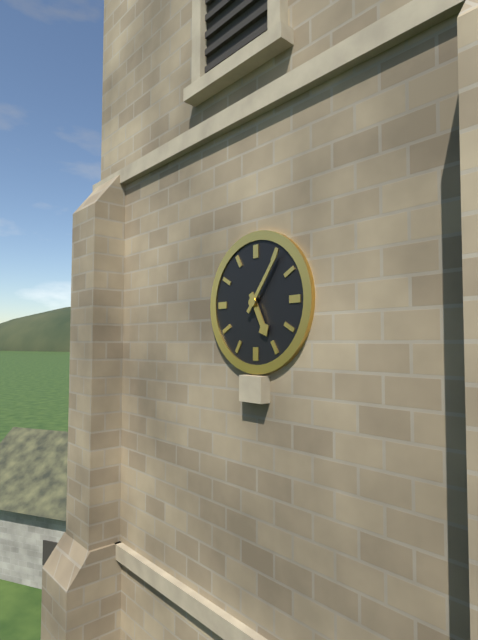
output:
5:06
